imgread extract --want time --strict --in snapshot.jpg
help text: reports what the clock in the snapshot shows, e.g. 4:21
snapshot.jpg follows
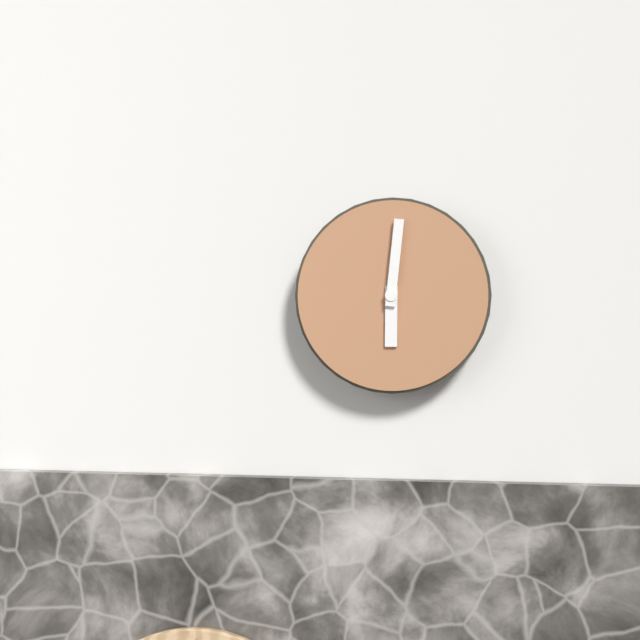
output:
6:01
